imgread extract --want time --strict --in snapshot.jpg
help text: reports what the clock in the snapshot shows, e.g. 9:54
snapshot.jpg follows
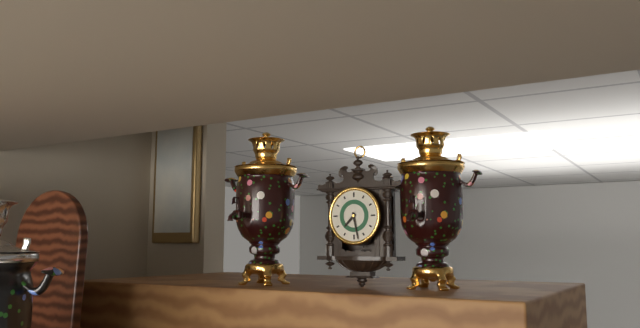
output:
7:28
